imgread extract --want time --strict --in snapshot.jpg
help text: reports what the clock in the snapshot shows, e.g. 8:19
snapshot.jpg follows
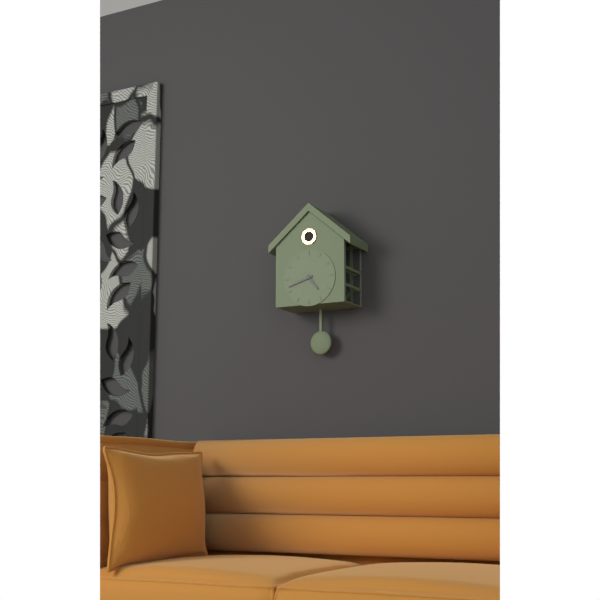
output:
4:42
